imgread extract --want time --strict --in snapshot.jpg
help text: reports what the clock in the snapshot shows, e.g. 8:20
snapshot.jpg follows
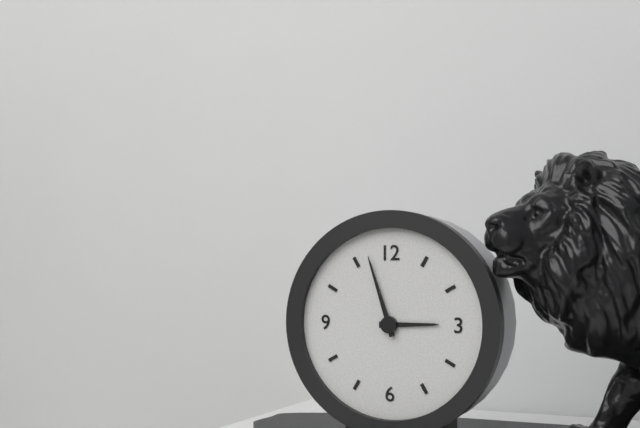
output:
2:57
